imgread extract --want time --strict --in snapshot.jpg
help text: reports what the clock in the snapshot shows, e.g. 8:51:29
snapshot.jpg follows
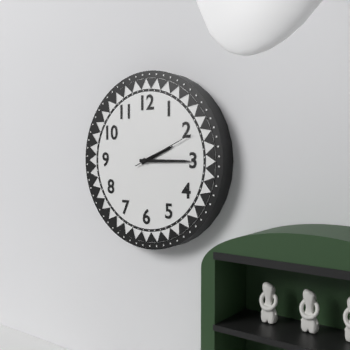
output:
2:15:11
